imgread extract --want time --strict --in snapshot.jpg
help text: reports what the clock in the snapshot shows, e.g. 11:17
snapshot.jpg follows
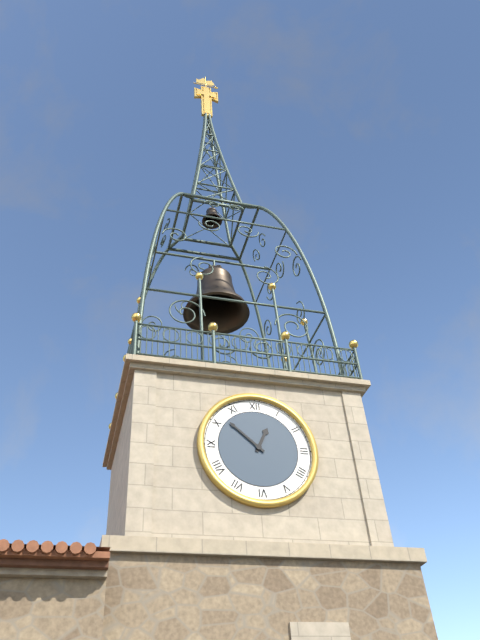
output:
12:52
